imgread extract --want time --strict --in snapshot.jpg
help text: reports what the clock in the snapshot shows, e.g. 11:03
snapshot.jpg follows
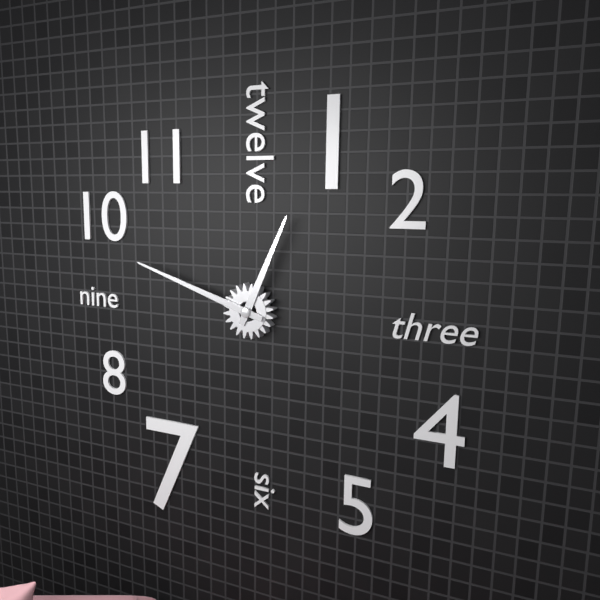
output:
12:48
